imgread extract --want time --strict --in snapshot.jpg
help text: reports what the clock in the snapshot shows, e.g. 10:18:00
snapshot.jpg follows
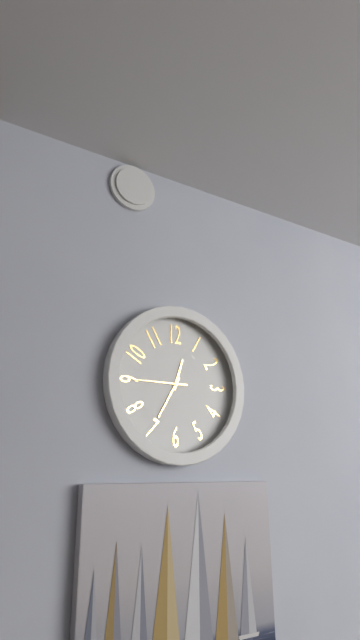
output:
12:35:45
